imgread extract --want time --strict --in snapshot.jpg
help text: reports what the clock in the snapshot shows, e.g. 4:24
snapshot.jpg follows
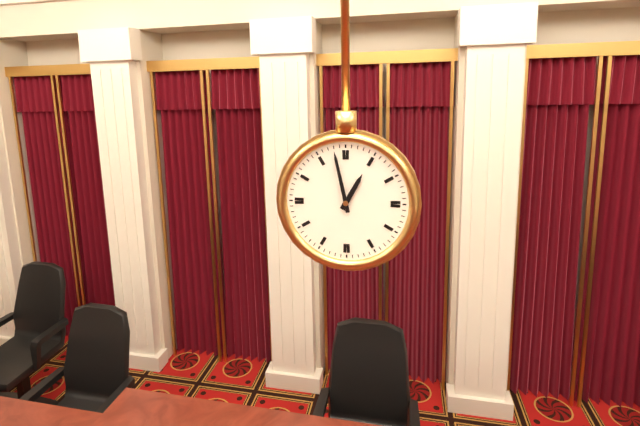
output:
12:58
